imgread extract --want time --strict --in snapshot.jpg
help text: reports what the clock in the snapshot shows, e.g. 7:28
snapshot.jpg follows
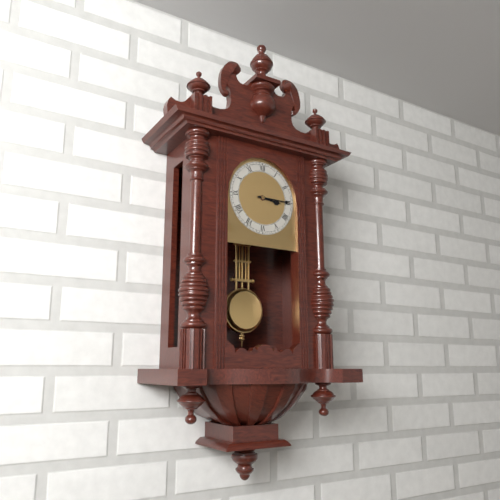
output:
3:15
